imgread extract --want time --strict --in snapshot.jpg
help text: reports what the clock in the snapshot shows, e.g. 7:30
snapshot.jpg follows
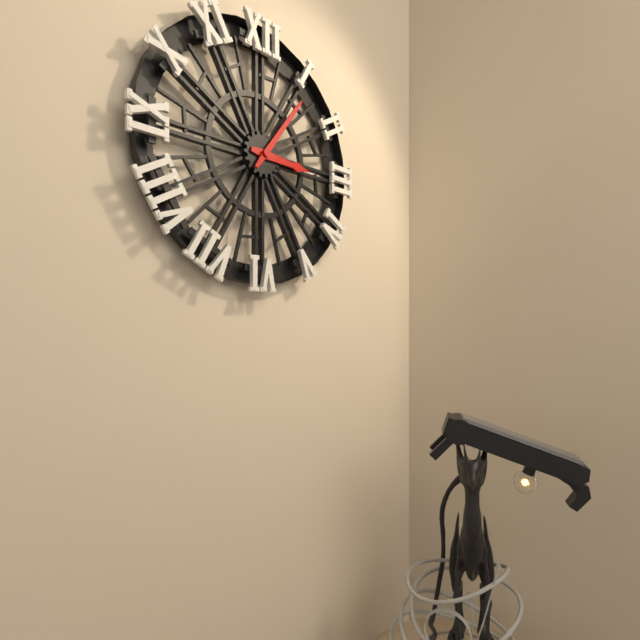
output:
3:06
